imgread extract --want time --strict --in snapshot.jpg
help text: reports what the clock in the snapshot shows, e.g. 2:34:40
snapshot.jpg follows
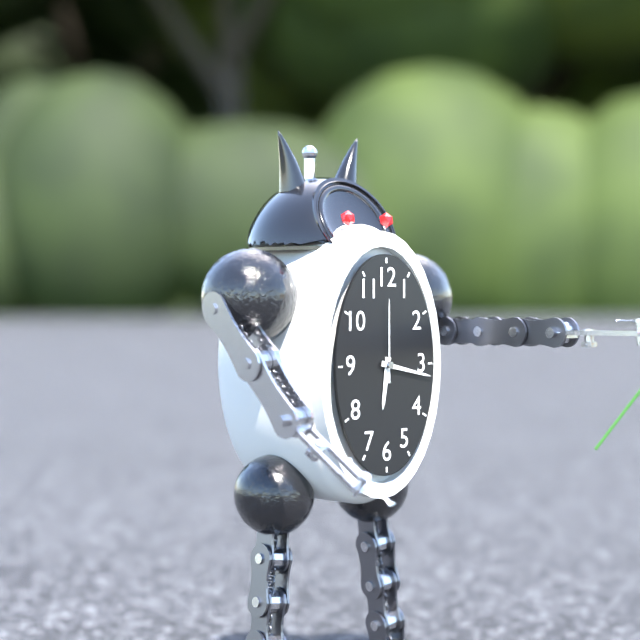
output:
6:17:00
